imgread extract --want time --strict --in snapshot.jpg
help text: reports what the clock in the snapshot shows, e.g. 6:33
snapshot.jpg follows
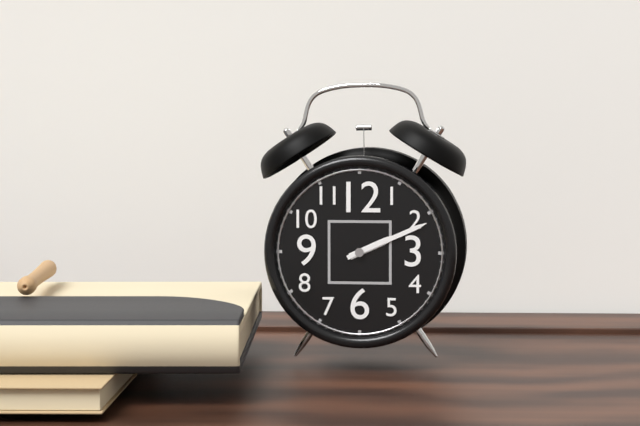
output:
2:11
